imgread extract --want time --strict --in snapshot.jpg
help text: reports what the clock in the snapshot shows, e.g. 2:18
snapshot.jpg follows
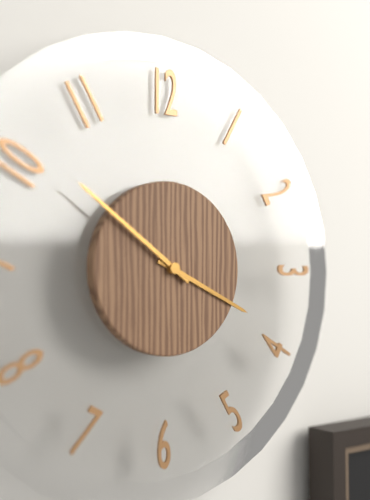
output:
3:51
